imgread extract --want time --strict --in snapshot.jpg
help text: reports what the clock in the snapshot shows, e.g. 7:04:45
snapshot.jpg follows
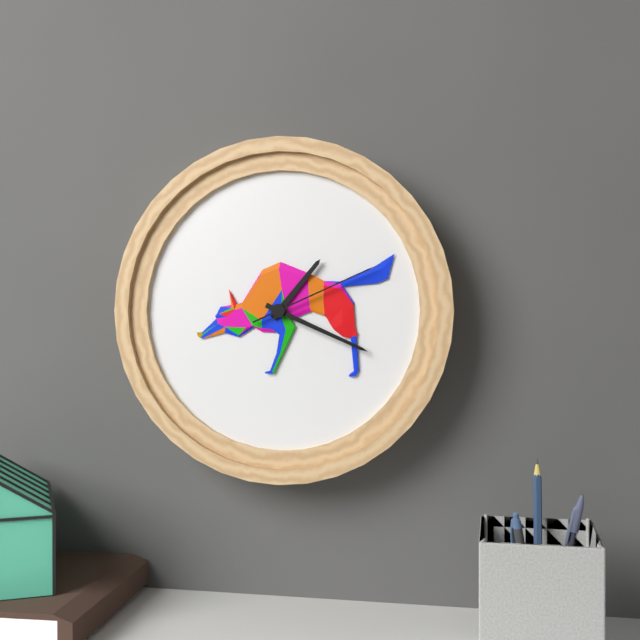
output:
1:19:11
